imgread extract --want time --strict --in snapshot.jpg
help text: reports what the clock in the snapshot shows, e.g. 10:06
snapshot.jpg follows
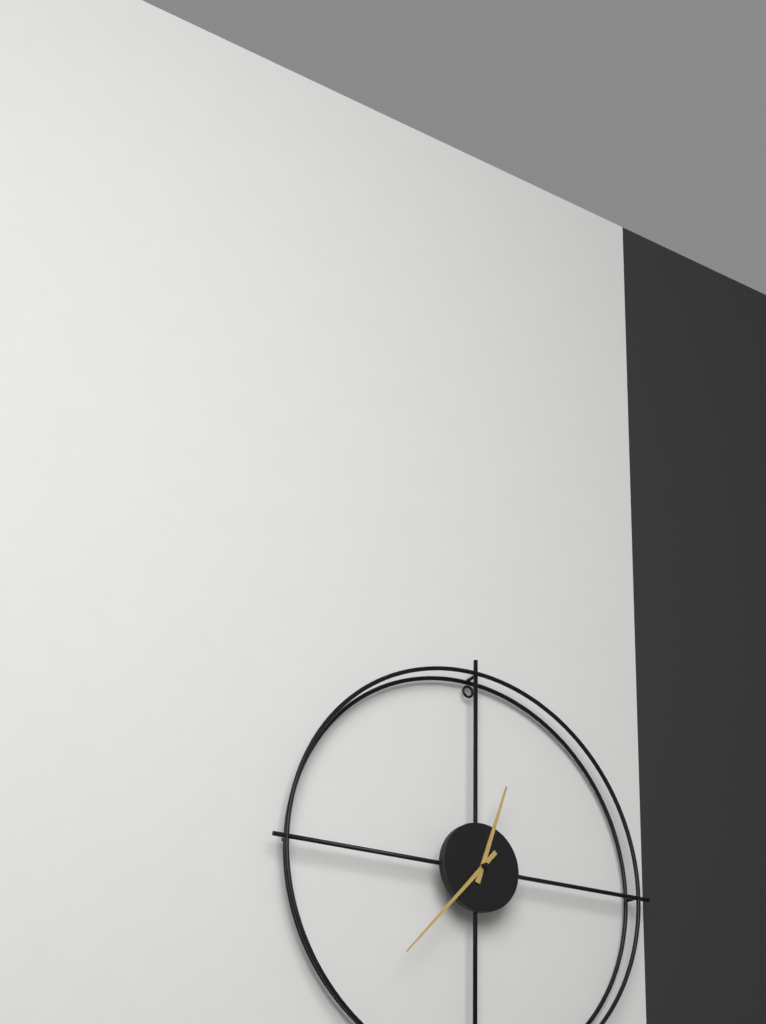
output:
12:37
